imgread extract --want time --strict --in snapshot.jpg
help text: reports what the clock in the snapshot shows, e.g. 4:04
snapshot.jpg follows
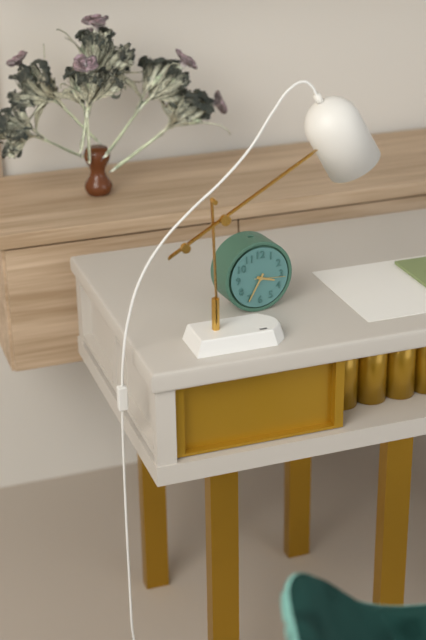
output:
3:35
